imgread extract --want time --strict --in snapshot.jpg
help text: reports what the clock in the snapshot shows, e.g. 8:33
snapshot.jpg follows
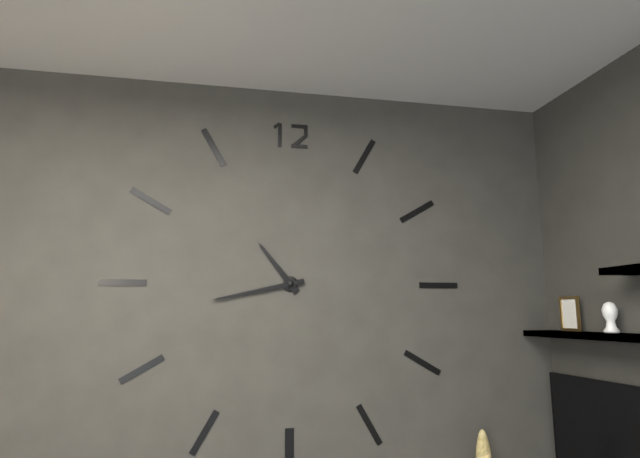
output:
10:43
